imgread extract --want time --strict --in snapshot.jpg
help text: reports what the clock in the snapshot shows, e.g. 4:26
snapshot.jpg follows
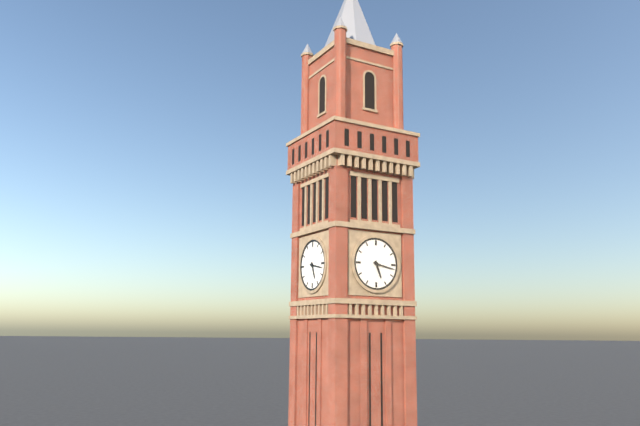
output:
5:17
